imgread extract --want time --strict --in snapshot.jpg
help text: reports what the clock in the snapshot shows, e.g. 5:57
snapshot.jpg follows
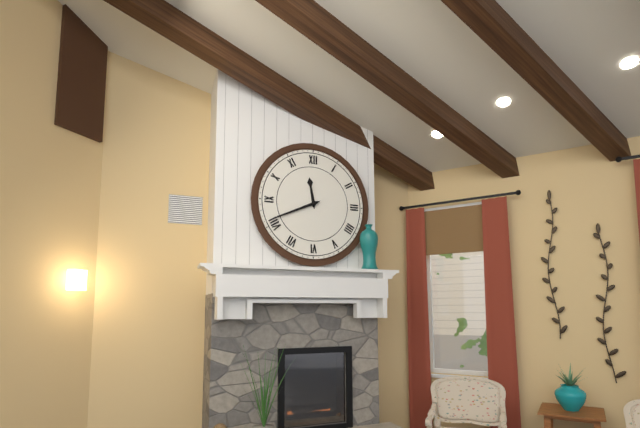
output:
11:41
